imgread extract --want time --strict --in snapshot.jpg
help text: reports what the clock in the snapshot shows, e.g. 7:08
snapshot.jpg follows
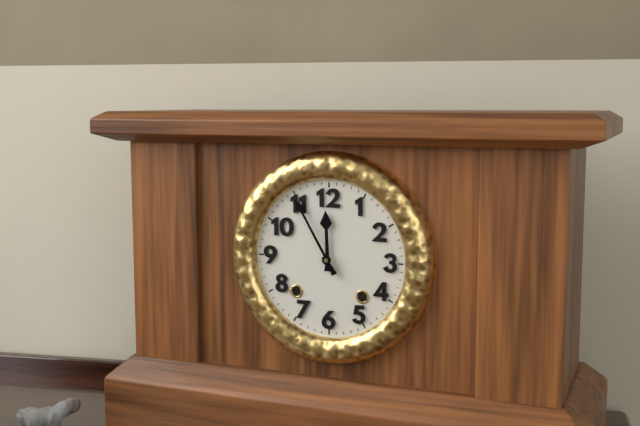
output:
11:55
